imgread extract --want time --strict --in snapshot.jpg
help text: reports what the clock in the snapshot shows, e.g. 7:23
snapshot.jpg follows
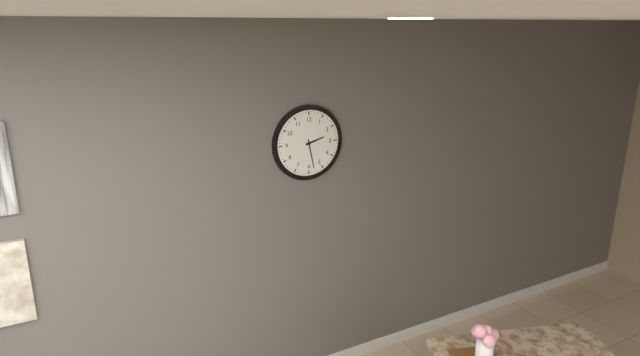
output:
2:28
